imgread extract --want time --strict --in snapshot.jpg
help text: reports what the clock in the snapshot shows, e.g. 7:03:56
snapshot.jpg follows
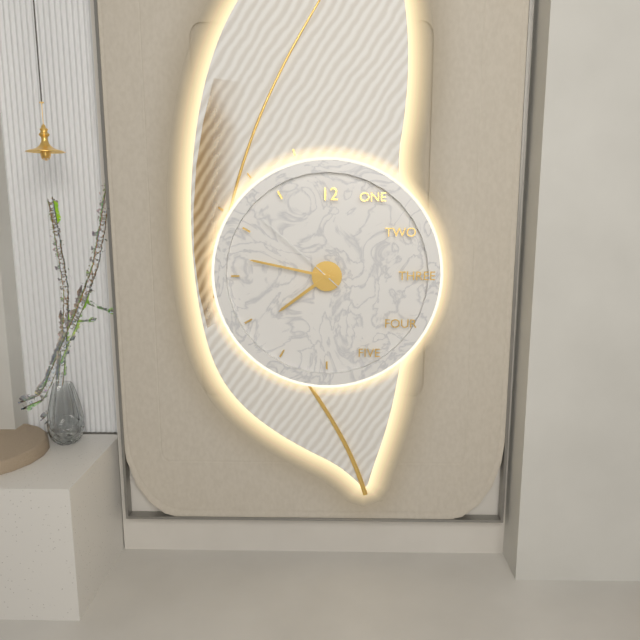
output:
7:47:52
